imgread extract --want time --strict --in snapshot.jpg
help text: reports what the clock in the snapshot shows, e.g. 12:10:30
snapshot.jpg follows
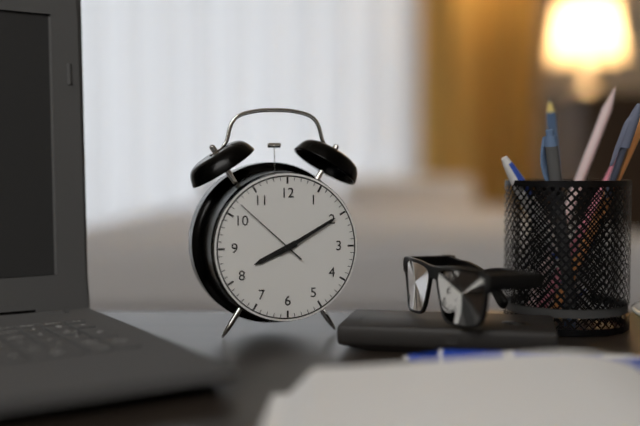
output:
8:10:52
